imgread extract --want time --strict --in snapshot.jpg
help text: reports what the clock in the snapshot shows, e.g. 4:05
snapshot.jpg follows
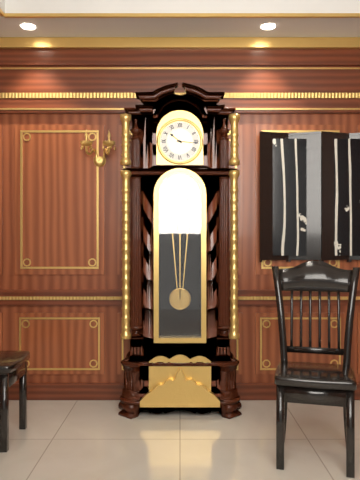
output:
10:16
